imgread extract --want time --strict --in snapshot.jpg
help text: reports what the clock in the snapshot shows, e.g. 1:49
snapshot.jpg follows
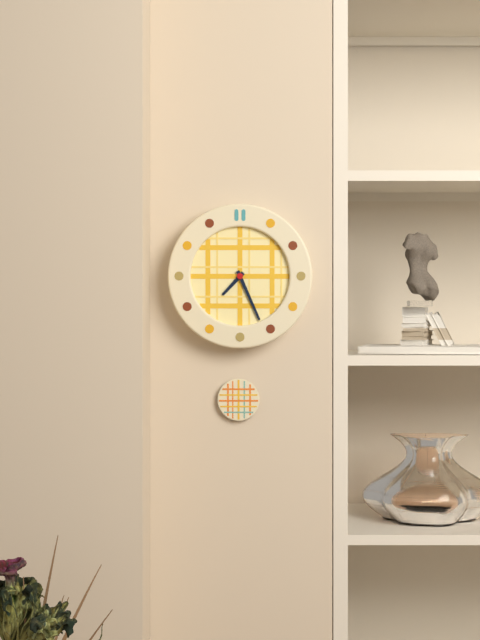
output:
7:26
